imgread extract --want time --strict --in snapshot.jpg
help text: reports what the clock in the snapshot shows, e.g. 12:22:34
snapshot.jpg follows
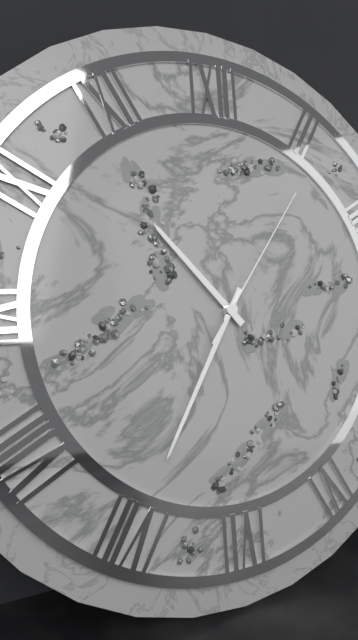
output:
10:35:06
